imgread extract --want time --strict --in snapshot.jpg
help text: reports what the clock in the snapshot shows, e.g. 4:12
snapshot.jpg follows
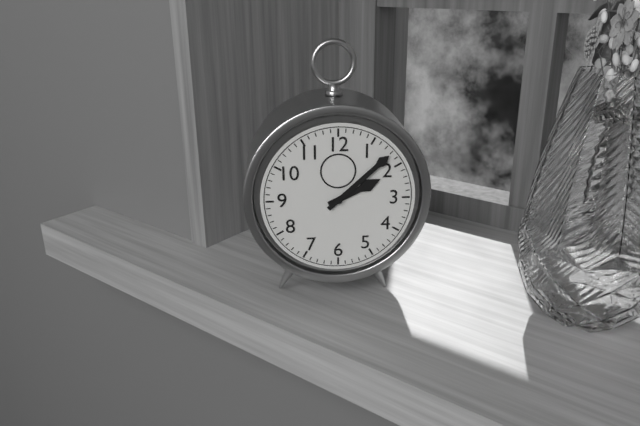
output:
2:08
